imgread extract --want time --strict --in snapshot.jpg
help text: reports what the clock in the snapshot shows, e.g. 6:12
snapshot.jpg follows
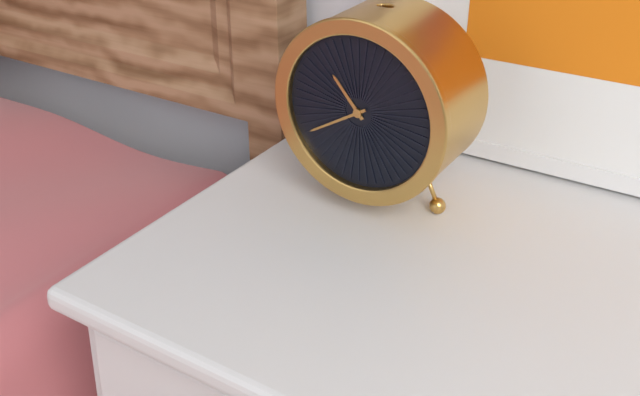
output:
10:40
